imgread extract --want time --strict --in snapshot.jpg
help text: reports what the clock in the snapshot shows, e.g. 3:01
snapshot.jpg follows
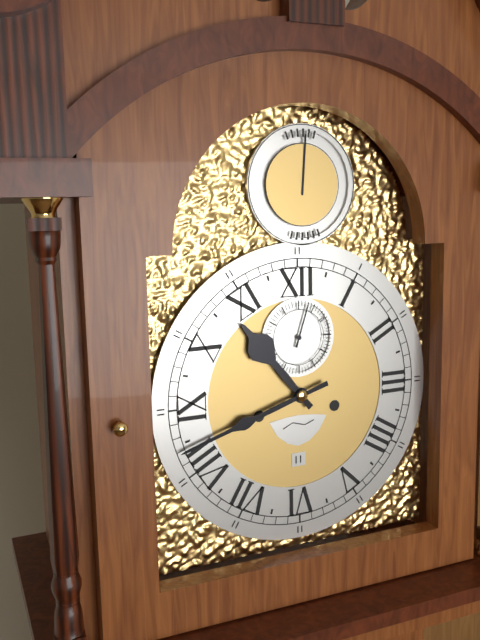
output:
10:42
